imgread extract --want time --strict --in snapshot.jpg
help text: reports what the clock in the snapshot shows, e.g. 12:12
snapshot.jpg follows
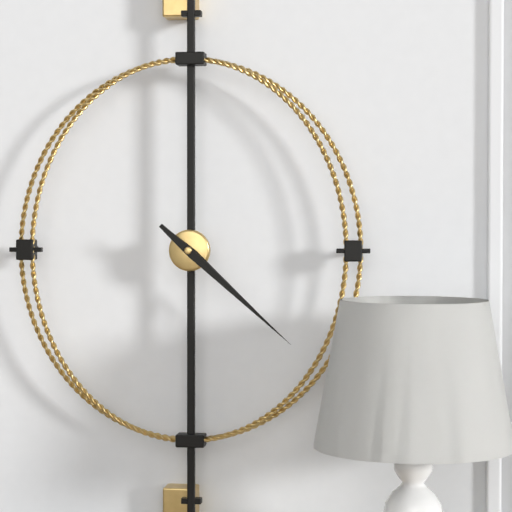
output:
4:22
